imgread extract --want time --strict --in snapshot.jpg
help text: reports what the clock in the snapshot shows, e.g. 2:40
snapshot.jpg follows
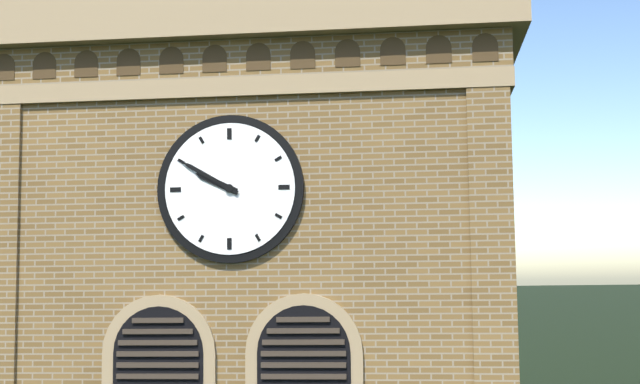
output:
9:50
